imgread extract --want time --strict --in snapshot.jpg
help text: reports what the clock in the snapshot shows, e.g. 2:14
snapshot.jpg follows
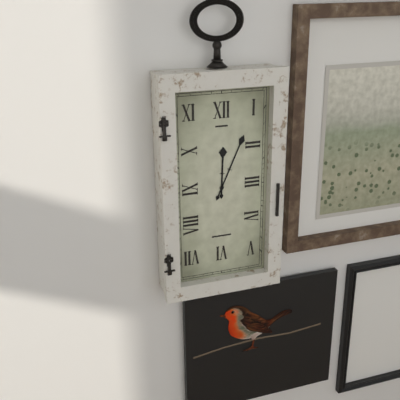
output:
12:04
